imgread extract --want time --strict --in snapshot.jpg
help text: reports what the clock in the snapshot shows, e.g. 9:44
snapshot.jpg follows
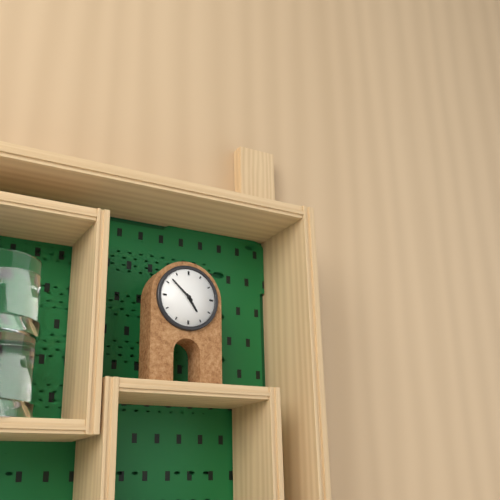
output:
4:52
